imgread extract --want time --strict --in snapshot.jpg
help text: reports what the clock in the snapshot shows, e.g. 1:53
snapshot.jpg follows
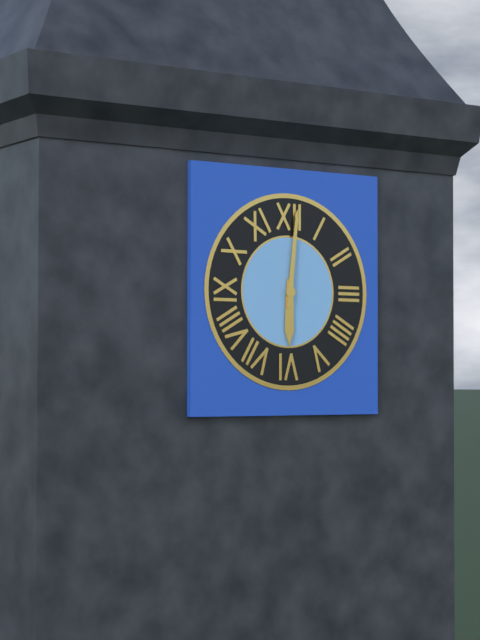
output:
6:01
